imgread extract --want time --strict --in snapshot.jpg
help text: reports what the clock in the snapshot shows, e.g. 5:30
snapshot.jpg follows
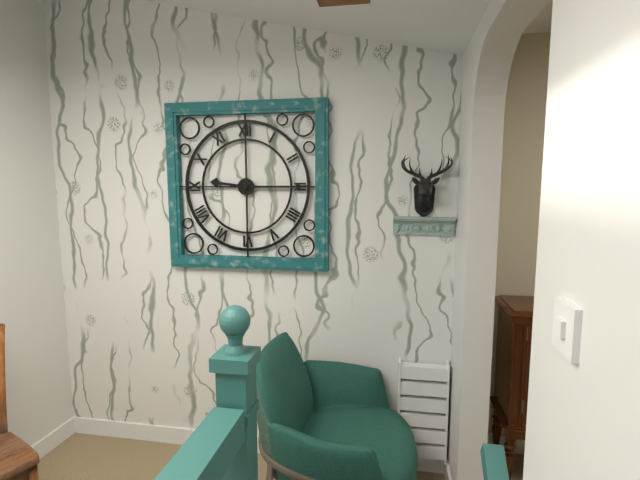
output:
9:15
